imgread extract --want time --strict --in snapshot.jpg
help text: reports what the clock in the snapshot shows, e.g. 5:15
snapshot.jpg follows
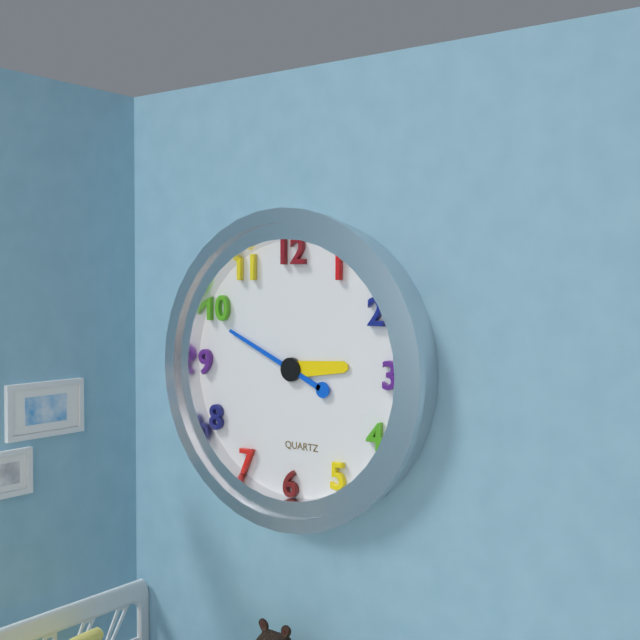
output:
2:49
